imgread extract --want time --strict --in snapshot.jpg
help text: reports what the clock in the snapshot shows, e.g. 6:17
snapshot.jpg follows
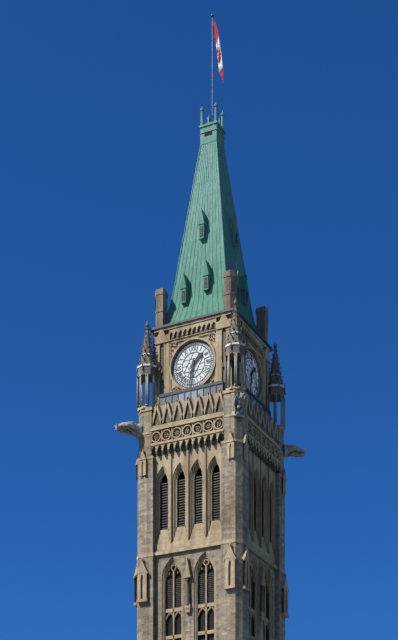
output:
1:32
